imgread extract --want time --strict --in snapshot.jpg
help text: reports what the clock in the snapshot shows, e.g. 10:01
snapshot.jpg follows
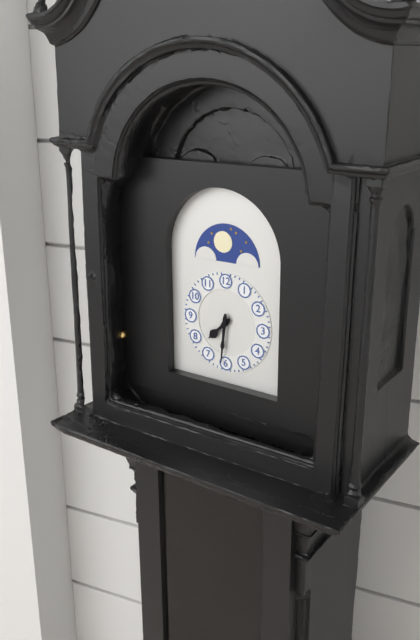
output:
7:31
